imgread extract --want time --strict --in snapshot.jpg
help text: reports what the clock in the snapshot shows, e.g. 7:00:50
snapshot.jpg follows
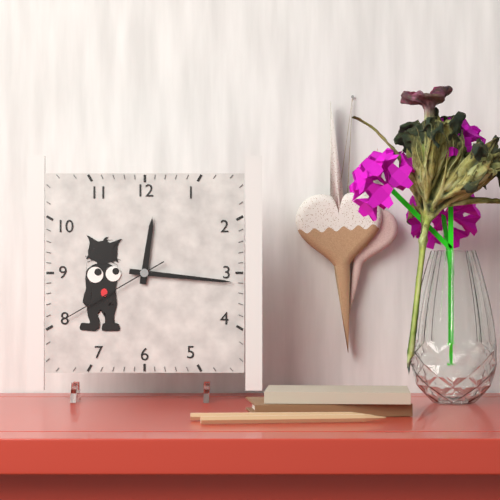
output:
12:16:40
